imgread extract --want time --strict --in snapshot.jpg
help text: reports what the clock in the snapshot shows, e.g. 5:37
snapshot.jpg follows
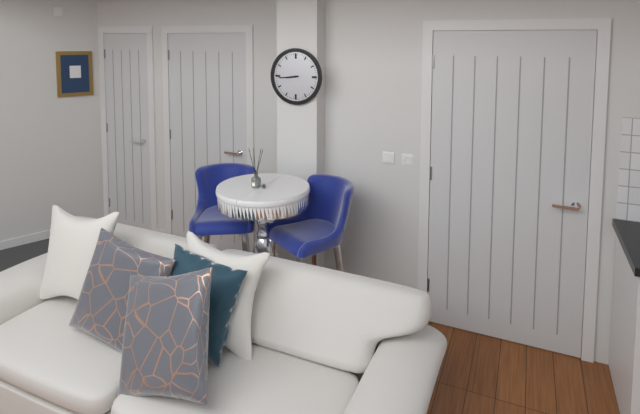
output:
8:44
